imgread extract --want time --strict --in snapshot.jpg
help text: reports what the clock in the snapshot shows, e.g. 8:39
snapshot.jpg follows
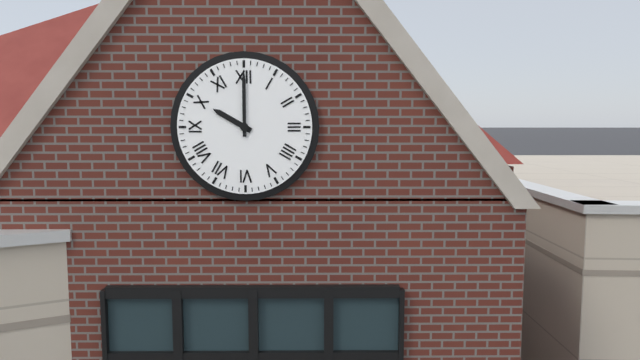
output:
10:00
